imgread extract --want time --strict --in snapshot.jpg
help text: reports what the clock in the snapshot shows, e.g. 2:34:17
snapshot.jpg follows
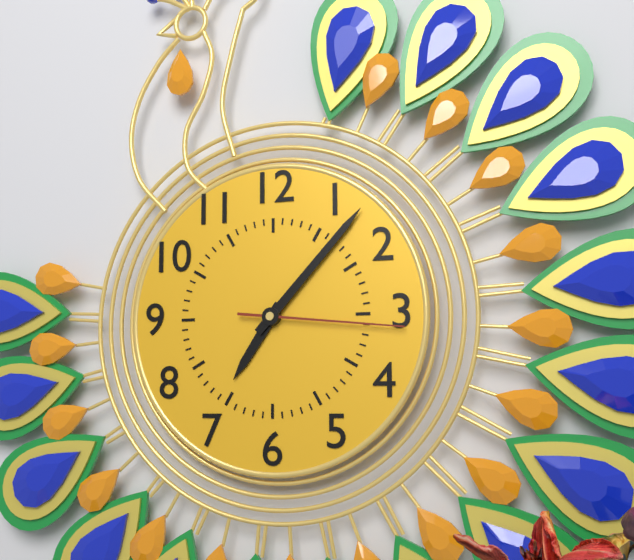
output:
7:07:16
